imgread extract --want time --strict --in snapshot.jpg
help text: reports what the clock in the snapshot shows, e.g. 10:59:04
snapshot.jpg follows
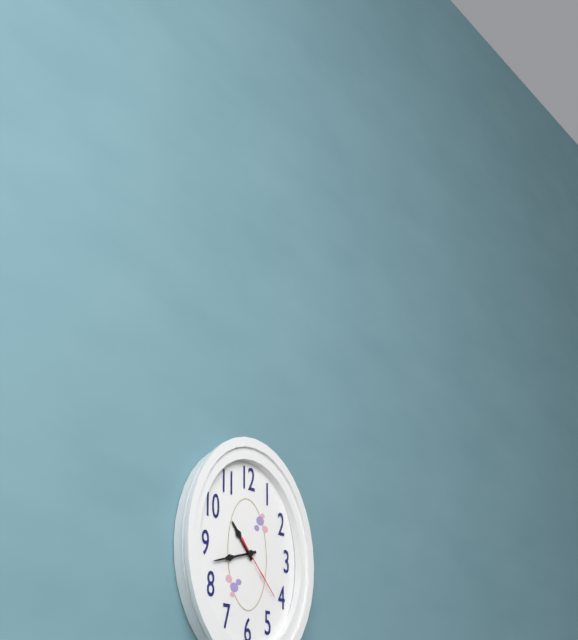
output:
10:42:23
